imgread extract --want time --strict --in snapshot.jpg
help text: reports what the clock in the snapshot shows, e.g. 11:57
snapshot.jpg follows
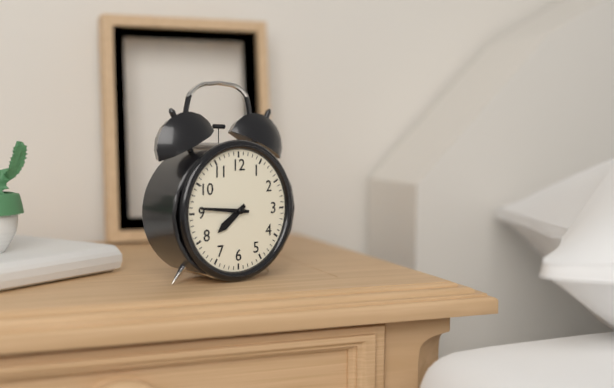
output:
7:46
